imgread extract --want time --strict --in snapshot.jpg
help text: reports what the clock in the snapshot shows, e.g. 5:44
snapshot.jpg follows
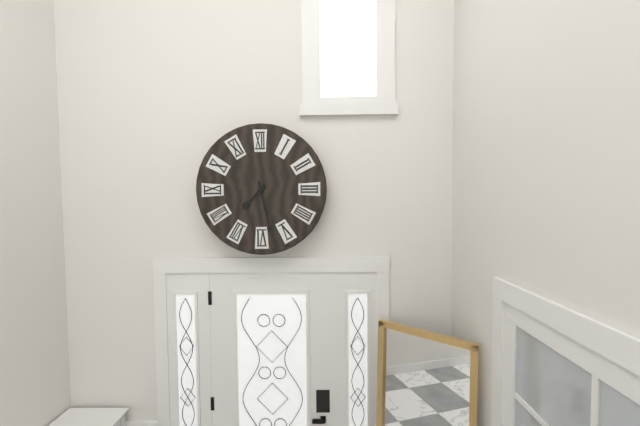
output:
7:28
